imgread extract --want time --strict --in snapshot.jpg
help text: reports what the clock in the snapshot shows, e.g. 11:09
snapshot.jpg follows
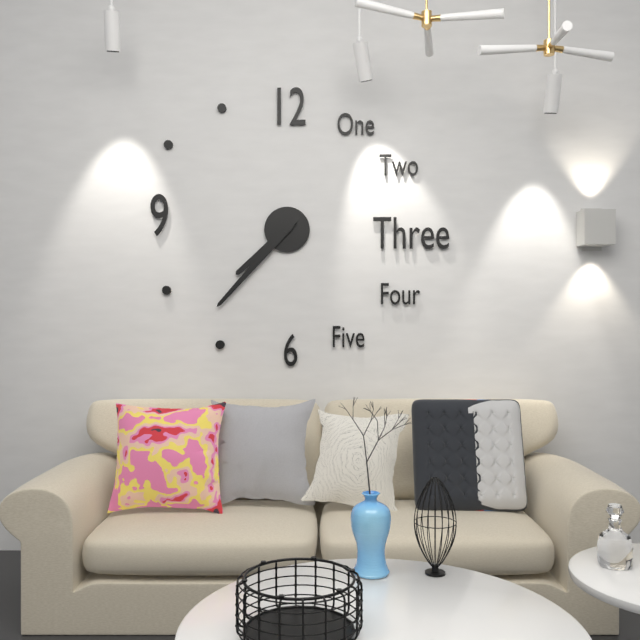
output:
7:37
